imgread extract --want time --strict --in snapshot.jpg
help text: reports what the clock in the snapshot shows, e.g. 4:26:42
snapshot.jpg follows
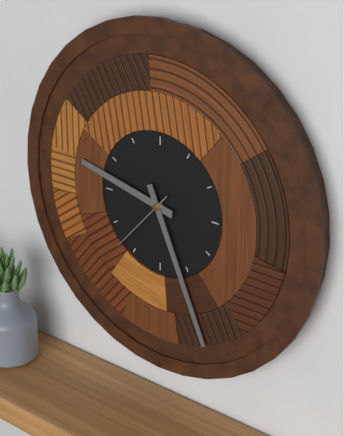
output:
9:26:37
